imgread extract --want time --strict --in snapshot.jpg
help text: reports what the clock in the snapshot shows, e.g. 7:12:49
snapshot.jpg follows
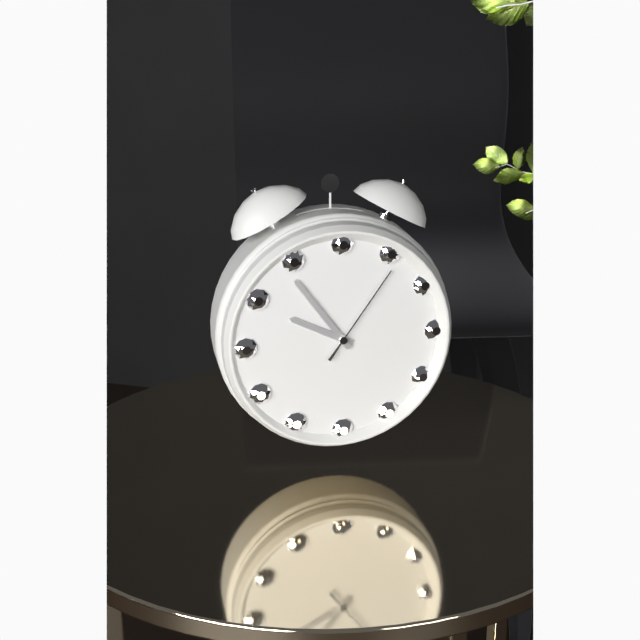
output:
9:54:06
